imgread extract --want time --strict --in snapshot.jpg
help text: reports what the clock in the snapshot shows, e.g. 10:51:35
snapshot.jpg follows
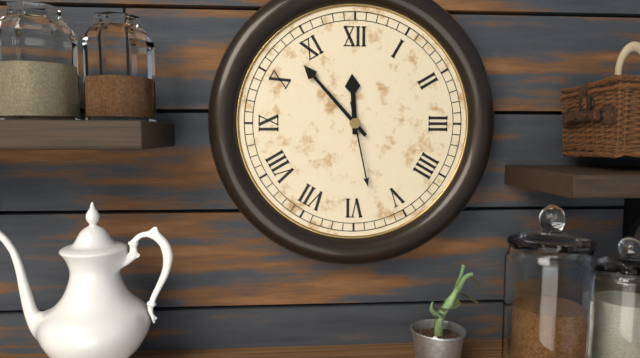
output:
11:53:28
